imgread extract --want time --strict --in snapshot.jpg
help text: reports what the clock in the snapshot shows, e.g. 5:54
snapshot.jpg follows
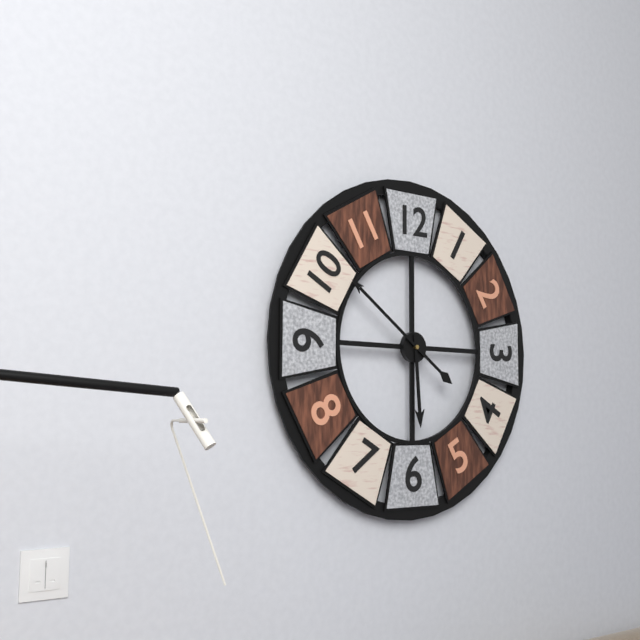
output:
5:51
